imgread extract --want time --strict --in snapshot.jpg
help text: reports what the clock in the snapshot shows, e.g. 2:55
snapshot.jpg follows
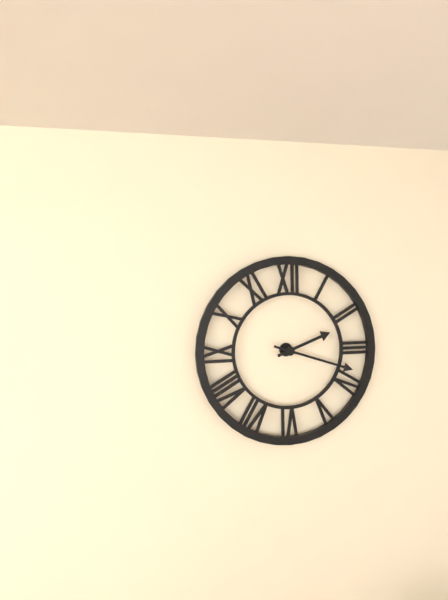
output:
2:18
